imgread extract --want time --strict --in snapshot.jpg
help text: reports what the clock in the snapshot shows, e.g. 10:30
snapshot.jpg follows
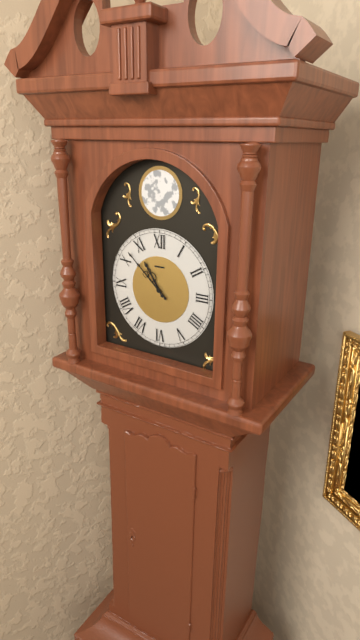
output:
10:52
